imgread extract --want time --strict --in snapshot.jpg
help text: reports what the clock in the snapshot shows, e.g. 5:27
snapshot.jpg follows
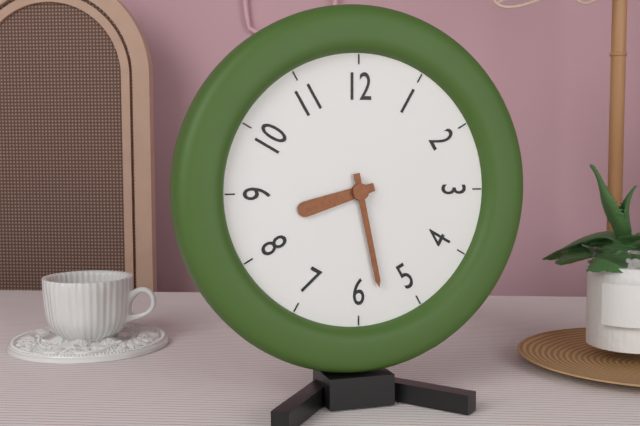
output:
8:28
